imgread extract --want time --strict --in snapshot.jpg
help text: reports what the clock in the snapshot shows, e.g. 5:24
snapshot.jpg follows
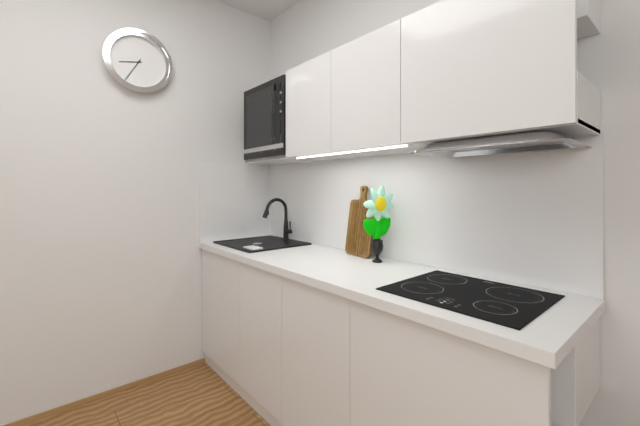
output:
8:35
